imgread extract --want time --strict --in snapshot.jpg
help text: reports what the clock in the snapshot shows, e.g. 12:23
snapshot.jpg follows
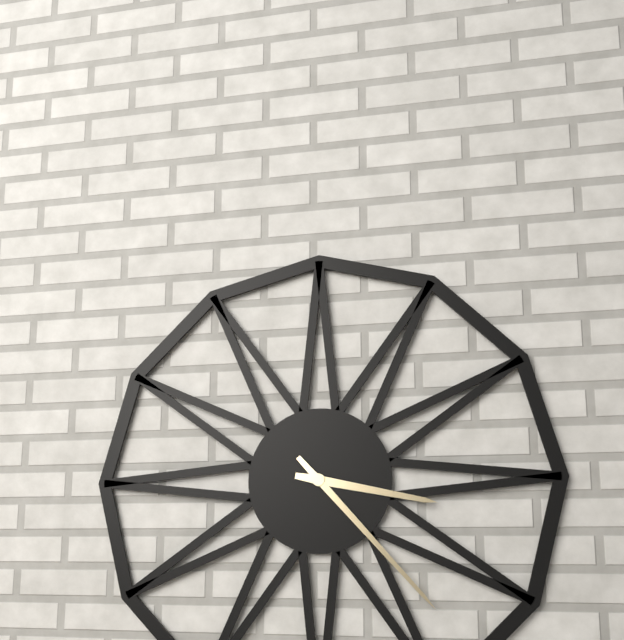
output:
3:23
